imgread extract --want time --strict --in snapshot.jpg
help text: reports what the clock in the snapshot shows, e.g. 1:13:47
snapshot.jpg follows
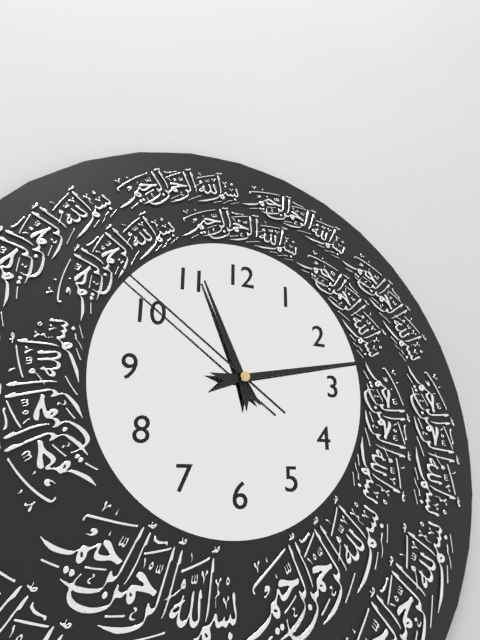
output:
11:13:51
